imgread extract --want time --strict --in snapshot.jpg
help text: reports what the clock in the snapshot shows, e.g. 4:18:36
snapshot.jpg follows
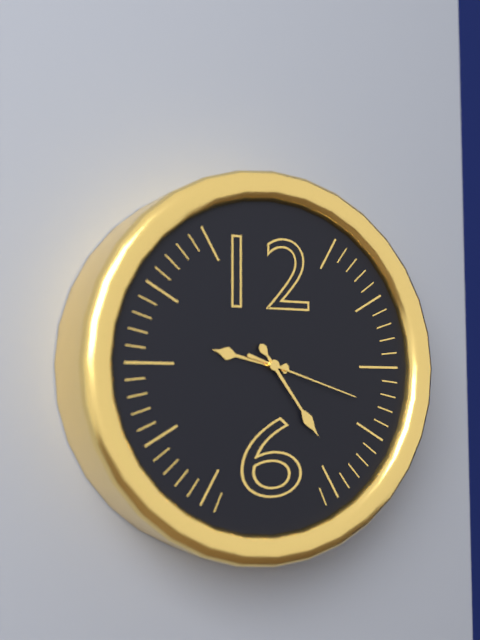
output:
9:24:18
